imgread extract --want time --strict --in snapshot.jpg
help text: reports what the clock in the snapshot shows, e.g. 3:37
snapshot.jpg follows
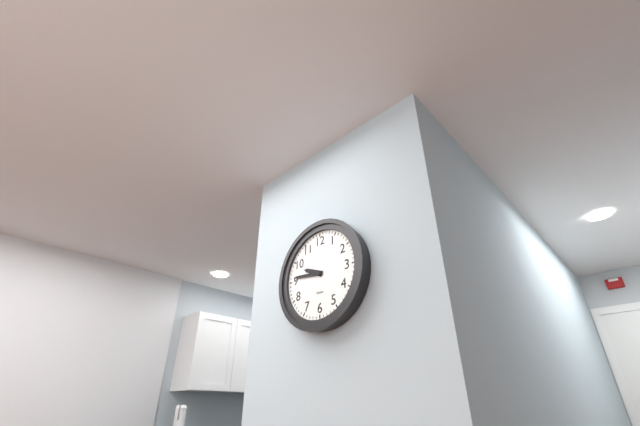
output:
9:46
